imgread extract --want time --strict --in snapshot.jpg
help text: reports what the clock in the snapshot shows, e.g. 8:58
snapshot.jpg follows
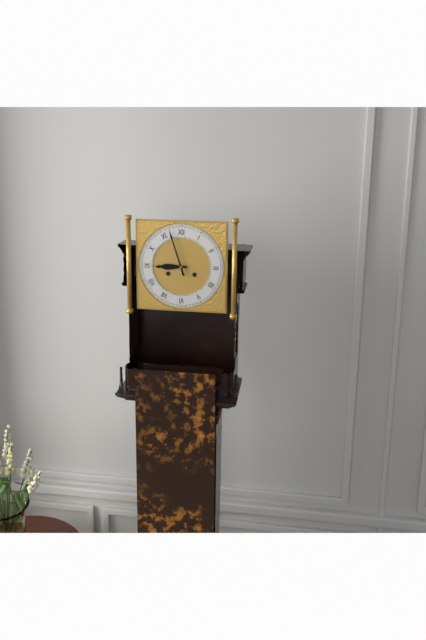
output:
8:57
